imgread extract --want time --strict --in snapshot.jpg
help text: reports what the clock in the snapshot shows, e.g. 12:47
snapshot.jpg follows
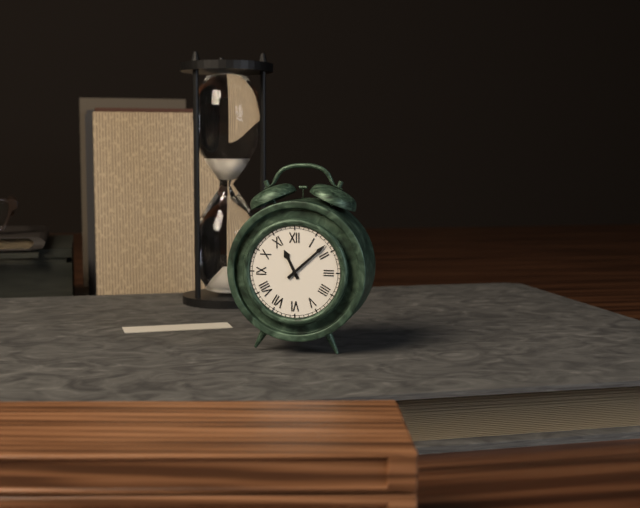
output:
11:08
